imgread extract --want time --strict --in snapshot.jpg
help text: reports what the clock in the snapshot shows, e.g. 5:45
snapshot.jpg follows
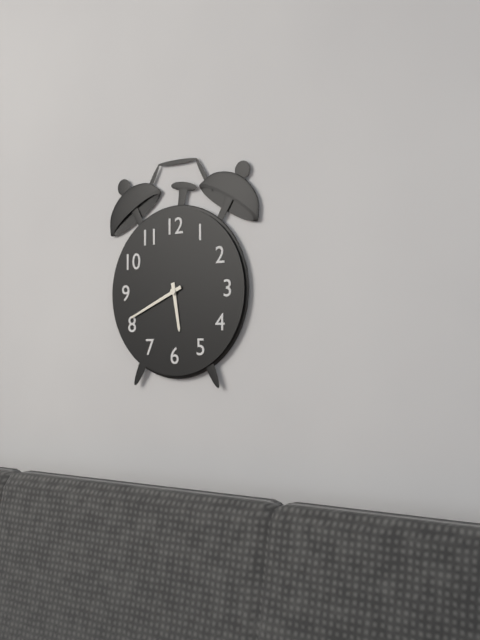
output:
5:41
